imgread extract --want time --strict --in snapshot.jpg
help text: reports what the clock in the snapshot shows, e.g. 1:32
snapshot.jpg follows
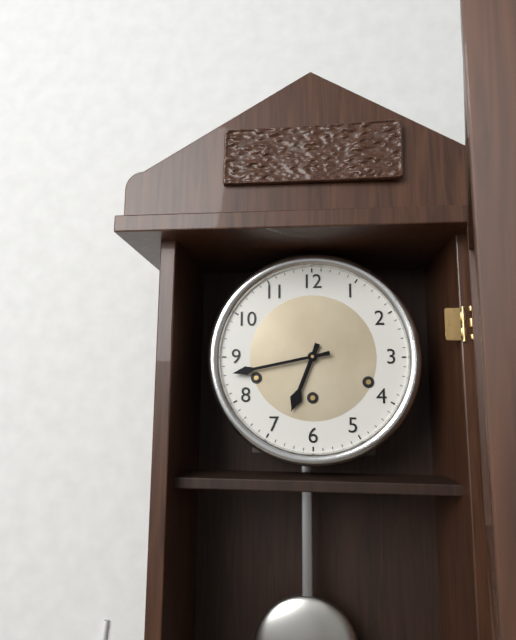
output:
6:43
